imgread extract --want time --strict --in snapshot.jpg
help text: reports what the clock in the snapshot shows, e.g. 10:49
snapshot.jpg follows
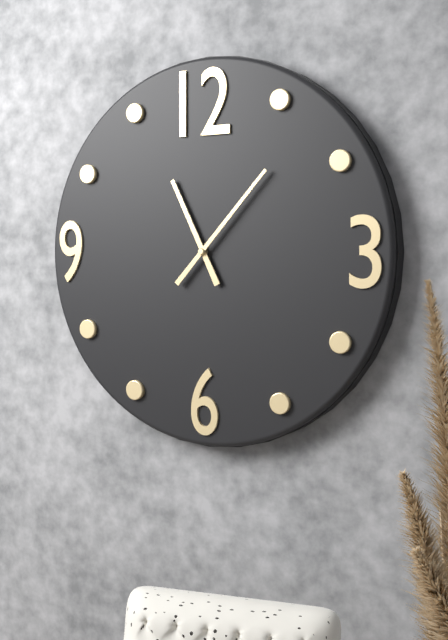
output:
11:07
